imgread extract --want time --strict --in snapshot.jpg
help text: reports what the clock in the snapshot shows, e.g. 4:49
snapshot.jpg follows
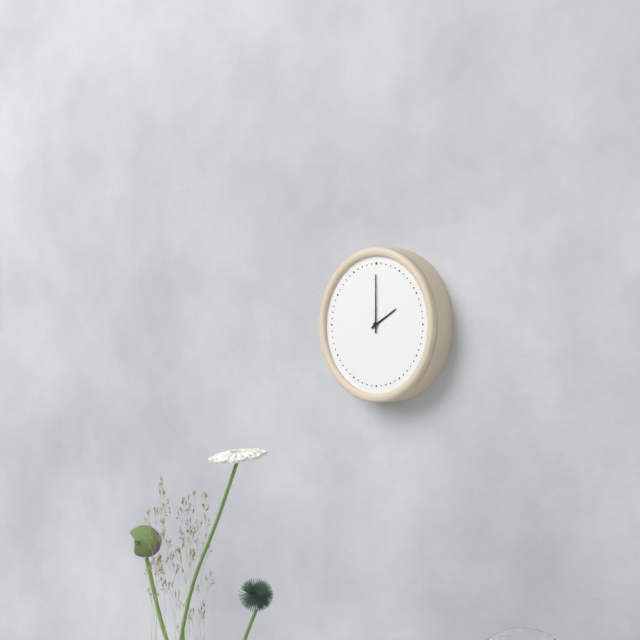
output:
2:00
